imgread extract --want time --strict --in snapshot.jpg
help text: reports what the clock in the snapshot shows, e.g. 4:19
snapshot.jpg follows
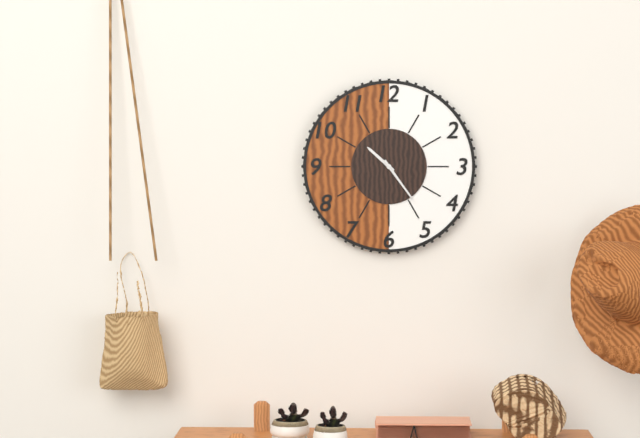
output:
10:24
